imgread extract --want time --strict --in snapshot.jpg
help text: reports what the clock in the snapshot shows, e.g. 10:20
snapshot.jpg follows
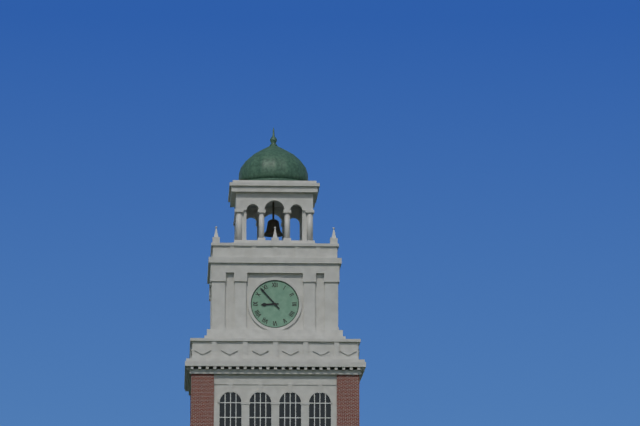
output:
8:53
